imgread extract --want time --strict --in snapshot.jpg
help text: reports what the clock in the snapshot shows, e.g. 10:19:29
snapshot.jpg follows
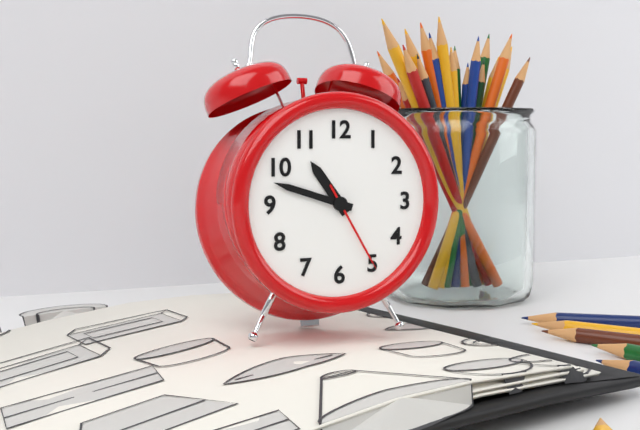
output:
10:48:25
